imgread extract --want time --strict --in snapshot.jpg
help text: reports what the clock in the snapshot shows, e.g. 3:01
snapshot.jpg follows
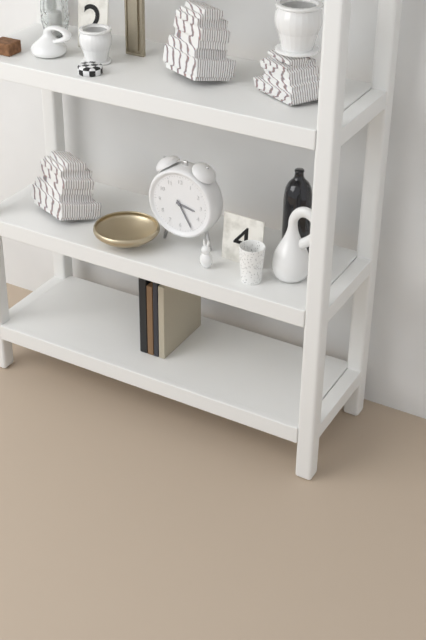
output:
3:25
